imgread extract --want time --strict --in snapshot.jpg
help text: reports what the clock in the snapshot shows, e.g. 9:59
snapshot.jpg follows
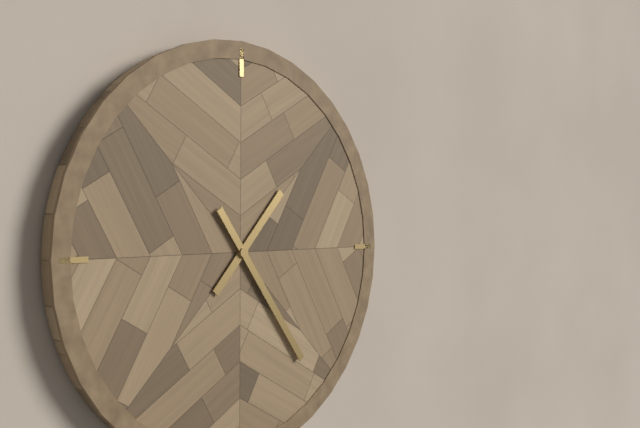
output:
1:24
